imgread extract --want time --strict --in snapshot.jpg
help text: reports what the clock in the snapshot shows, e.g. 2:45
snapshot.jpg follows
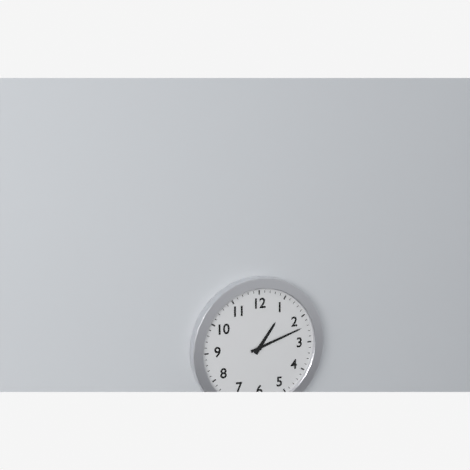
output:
1:12
